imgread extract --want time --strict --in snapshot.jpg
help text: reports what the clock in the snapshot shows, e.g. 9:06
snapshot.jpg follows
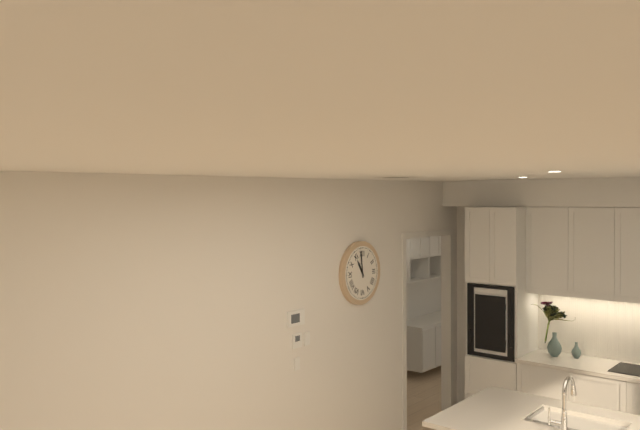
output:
10:59
